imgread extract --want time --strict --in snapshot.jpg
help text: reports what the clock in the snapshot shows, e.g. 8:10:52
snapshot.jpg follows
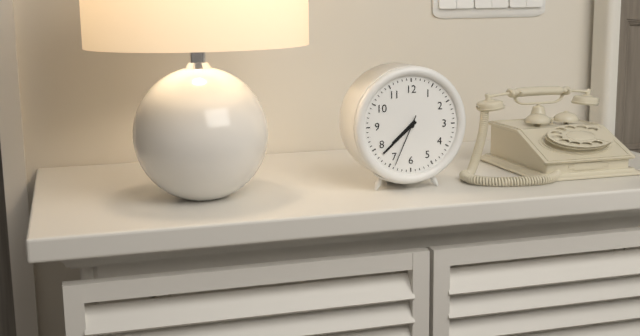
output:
7:38:34
